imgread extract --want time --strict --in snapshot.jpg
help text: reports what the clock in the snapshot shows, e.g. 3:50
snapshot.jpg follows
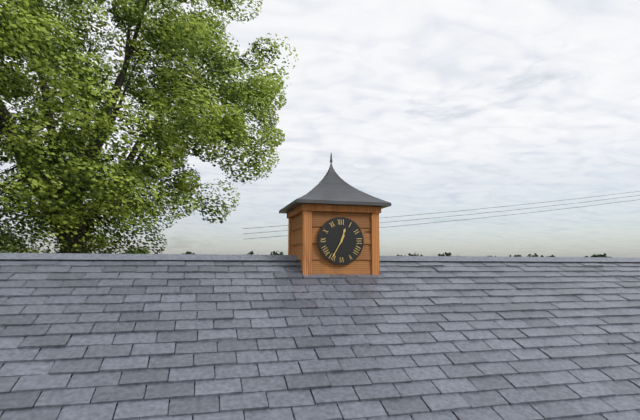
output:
12:35
